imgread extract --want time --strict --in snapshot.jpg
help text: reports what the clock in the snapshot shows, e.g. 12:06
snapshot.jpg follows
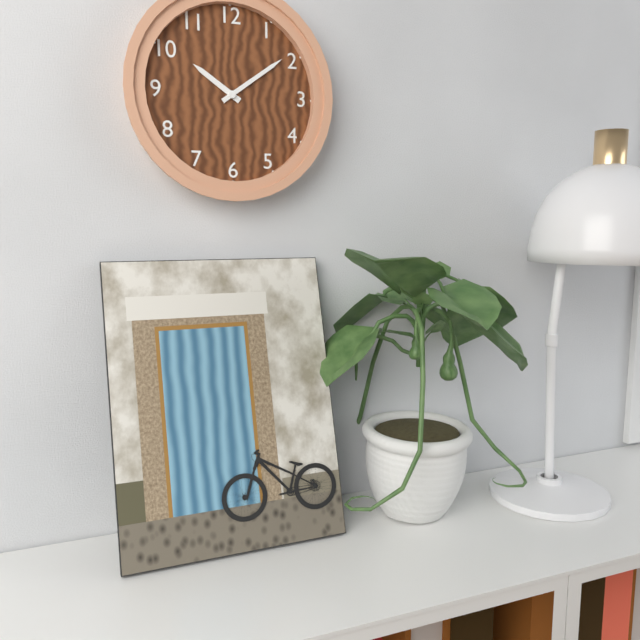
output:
10:09
